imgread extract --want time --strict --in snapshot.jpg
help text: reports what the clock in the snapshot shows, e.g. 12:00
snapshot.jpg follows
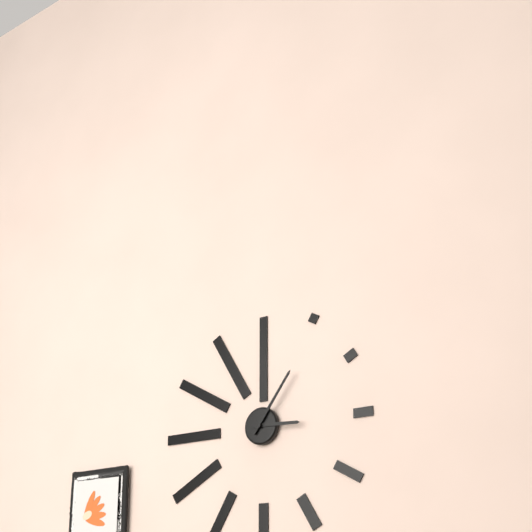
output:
3:06
